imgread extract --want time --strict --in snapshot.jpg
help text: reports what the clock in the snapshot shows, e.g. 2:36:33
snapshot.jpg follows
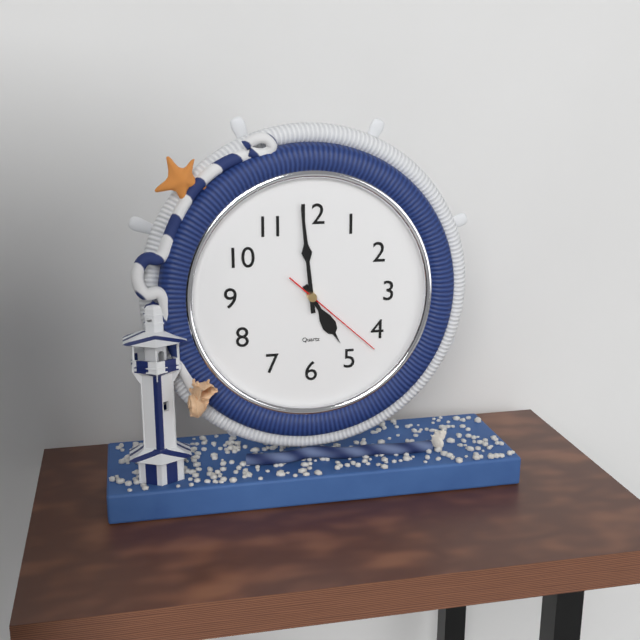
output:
4:59:22
